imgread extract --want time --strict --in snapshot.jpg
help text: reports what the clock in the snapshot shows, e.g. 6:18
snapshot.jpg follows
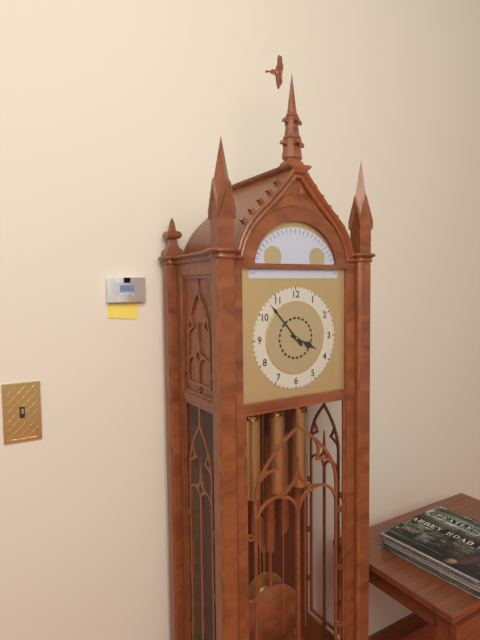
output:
3:53
